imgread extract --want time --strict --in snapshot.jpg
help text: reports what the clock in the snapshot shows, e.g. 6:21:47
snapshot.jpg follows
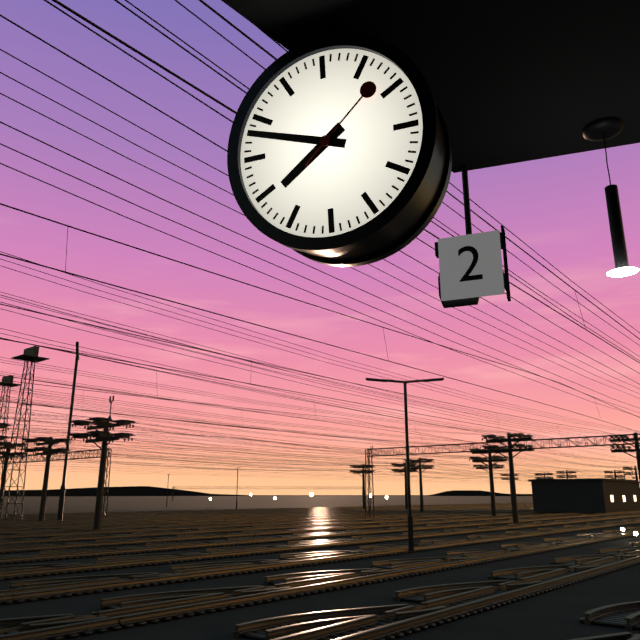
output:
7:48:08
